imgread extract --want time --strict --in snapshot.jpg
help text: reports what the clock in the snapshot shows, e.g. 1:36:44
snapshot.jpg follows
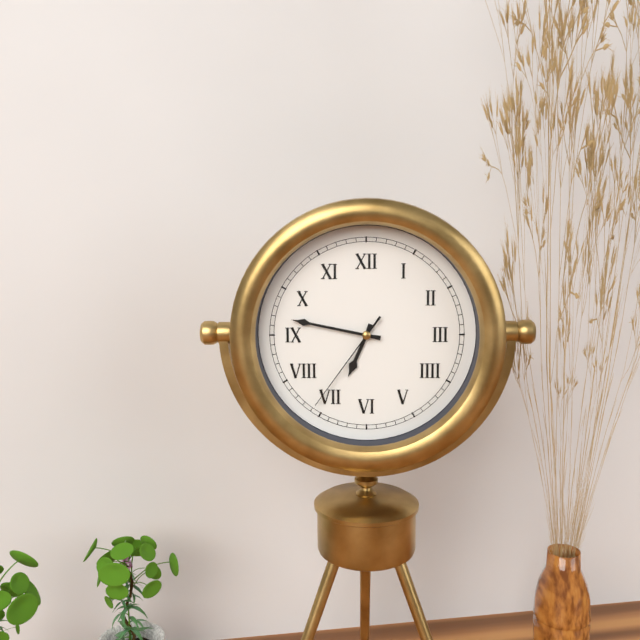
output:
6:47:36
